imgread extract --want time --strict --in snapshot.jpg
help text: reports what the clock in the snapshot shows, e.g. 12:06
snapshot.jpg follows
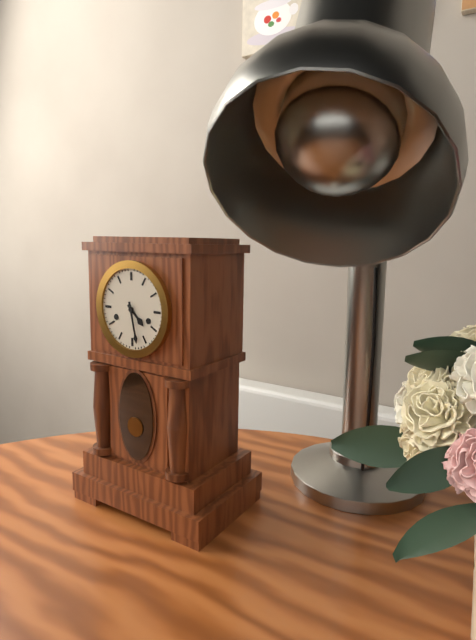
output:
4:28
